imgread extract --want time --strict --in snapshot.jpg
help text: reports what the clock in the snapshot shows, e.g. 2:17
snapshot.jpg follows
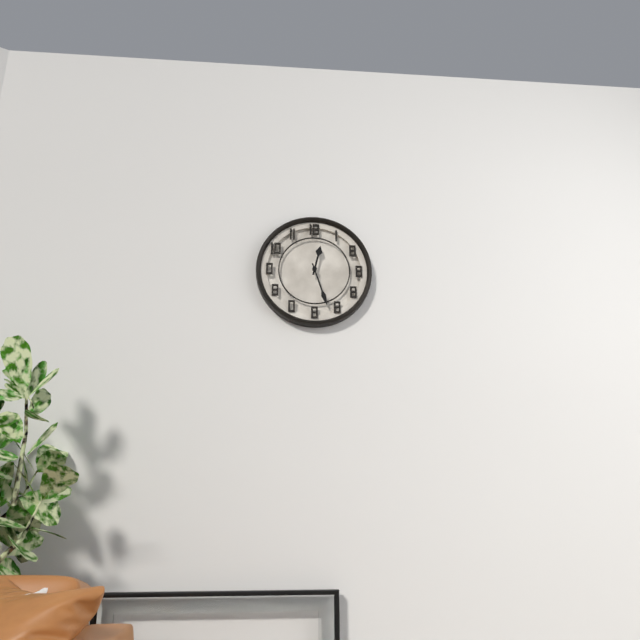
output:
12:27
